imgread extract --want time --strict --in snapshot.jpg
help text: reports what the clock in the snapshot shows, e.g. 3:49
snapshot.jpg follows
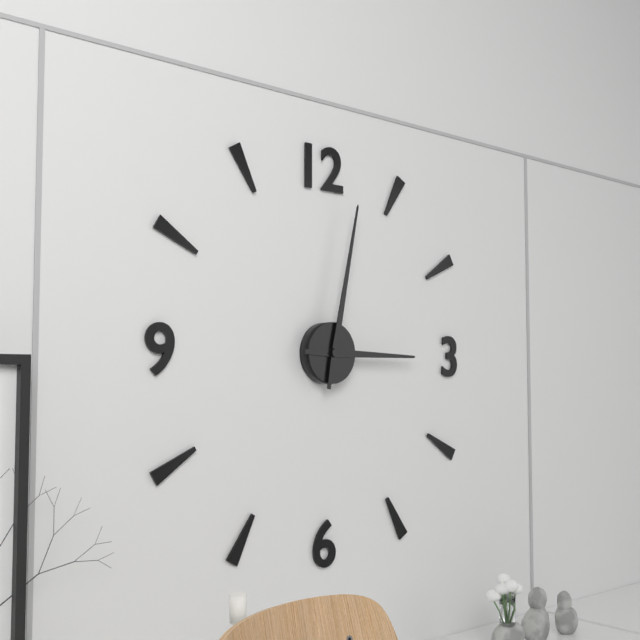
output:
3:02
